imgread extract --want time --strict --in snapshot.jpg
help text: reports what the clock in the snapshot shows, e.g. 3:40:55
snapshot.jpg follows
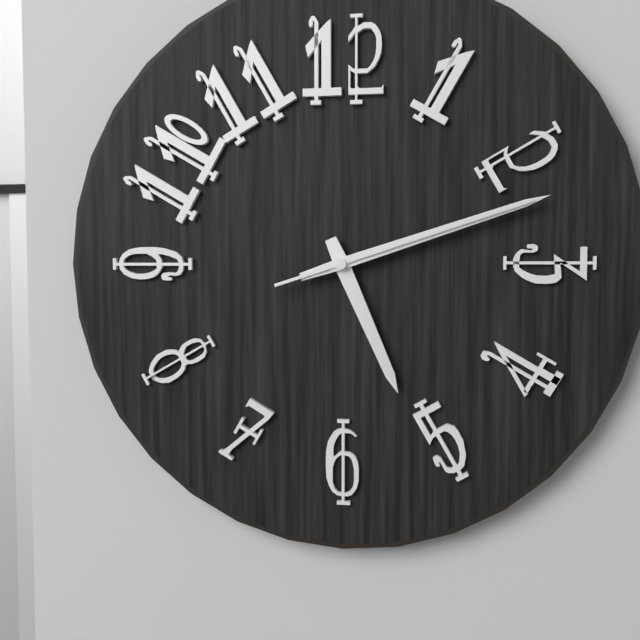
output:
5:12:12
